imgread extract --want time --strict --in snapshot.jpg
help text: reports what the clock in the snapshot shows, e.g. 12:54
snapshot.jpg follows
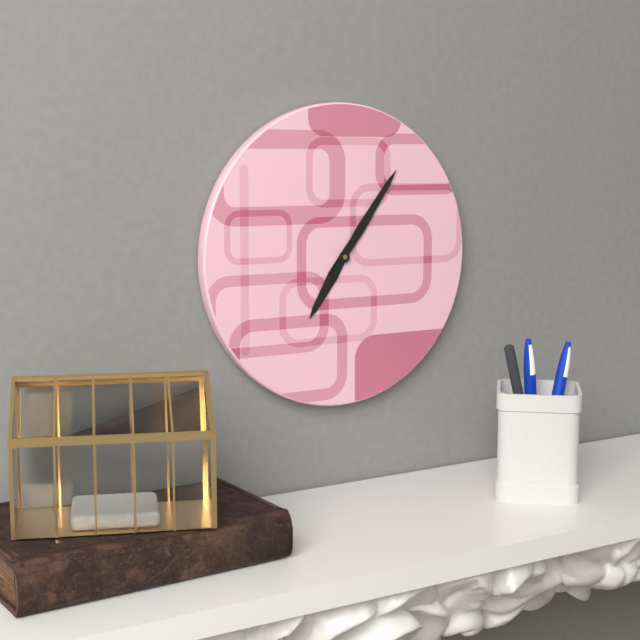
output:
7:06
